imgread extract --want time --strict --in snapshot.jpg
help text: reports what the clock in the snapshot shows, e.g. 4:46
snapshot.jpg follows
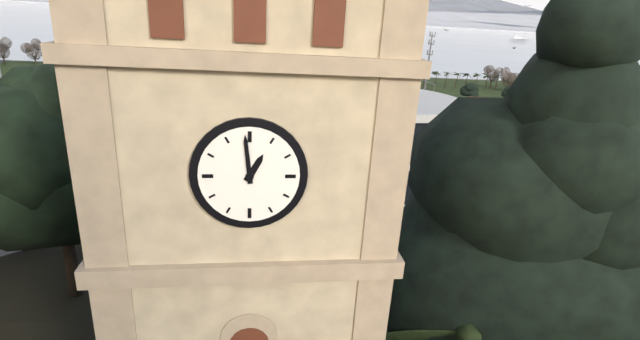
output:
12:59
